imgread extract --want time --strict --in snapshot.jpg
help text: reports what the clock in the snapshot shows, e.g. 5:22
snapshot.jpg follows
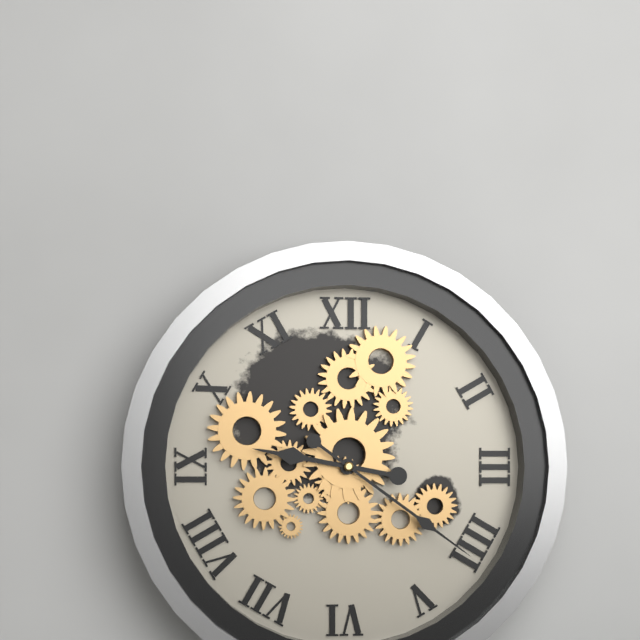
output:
9:21
